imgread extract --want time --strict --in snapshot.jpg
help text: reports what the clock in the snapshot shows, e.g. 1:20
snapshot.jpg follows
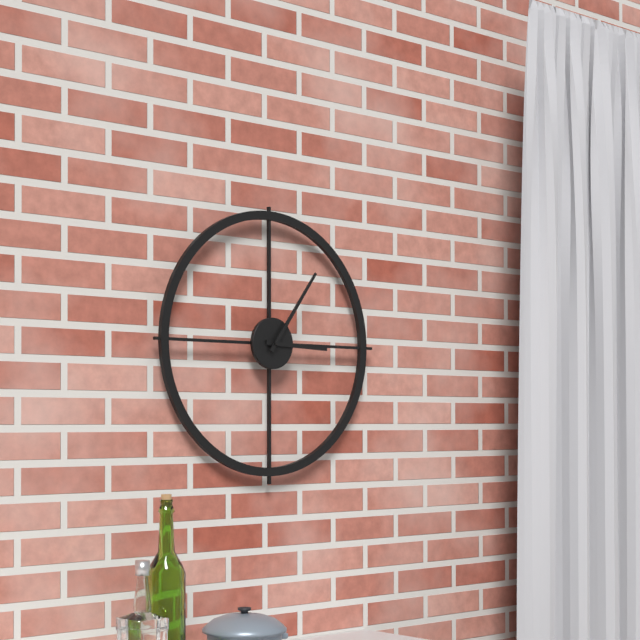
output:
3:06
